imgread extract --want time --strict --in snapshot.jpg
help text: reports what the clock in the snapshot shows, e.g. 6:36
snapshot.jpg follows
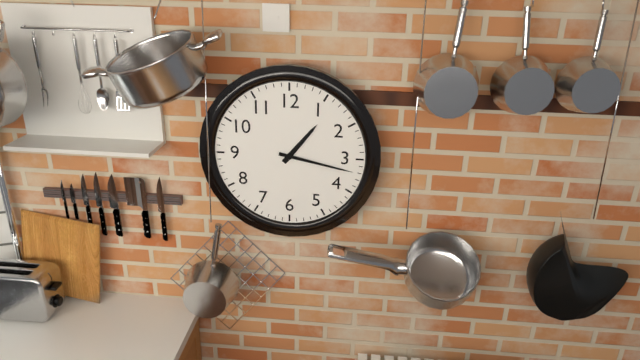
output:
1:17
